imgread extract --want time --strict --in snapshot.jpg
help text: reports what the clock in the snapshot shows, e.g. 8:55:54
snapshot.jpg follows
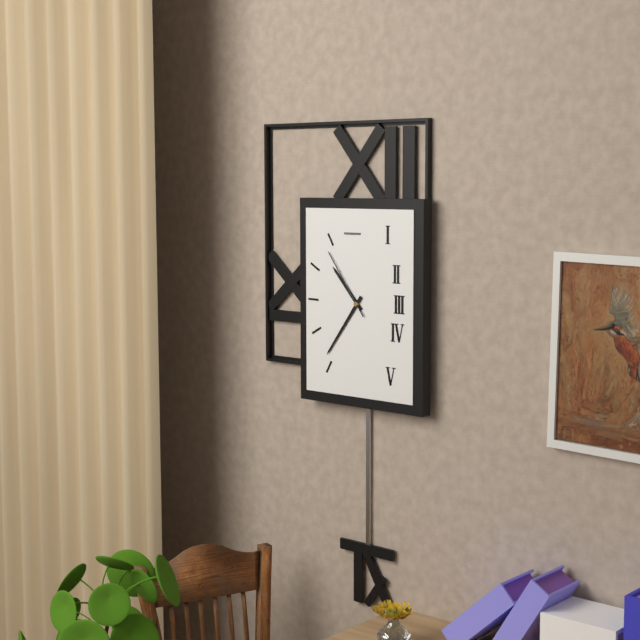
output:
10:36:54
